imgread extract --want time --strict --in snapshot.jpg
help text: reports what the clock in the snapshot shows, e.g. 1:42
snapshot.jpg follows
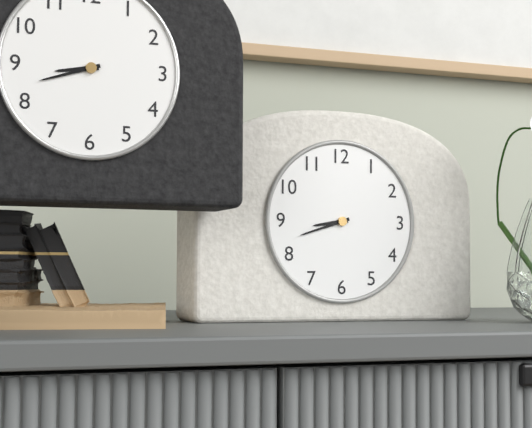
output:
8:42
